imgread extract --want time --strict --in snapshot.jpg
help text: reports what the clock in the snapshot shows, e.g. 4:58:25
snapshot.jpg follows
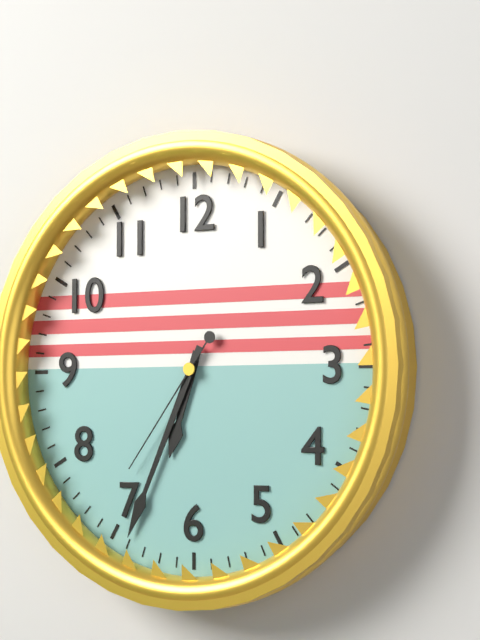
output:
6:34:36
